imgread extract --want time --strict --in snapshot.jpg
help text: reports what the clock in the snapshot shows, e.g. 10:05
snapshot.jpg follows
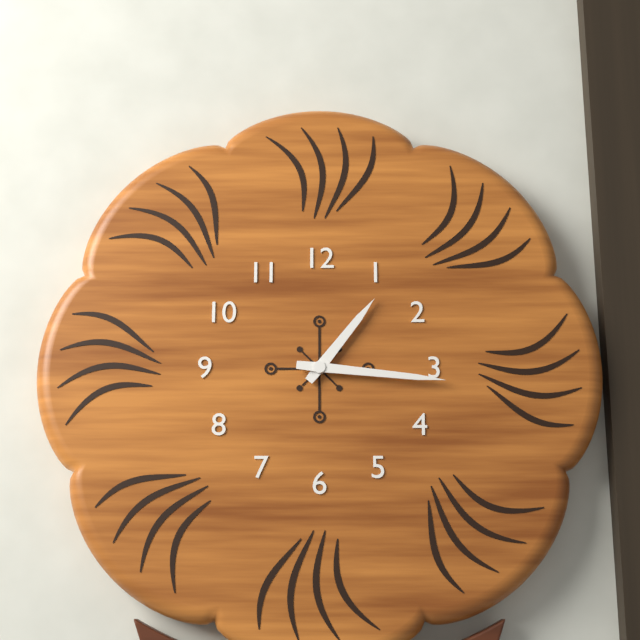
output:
1:16
